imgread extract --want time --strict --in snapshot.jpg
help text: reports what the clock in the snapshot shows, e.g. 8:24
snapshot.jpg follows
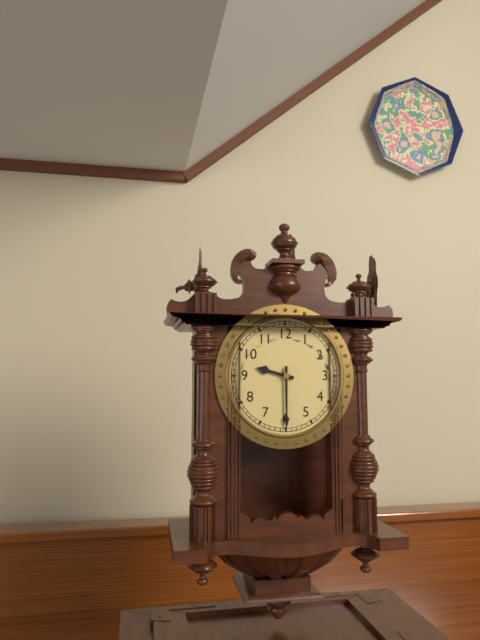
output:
9:30
